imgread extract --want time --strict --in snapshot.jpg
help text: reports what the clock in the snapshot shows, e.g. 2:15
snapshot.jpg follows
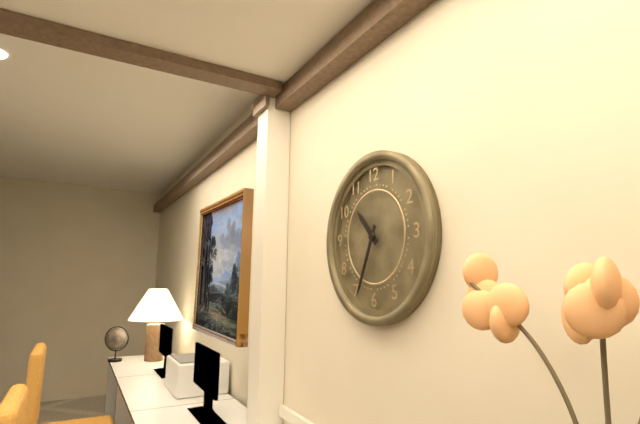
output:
10:34
